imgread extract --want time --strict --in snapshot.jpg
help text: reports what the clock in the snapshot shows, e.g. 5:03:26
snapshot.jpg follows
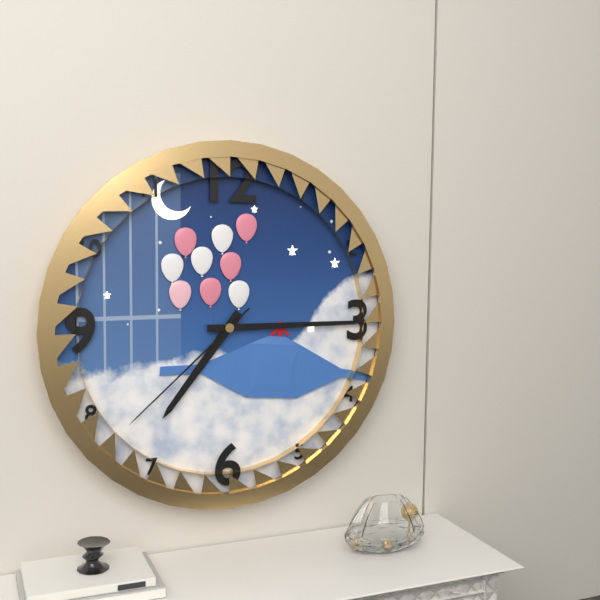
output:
7:15:38
